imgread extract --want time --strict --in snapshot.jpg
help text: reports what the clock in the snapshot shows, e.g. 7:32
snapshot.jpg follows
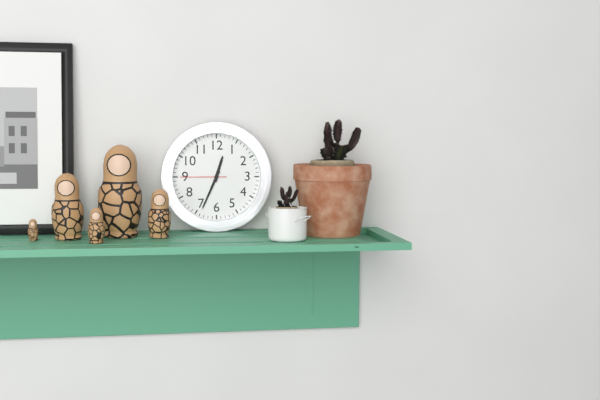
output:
12:34
